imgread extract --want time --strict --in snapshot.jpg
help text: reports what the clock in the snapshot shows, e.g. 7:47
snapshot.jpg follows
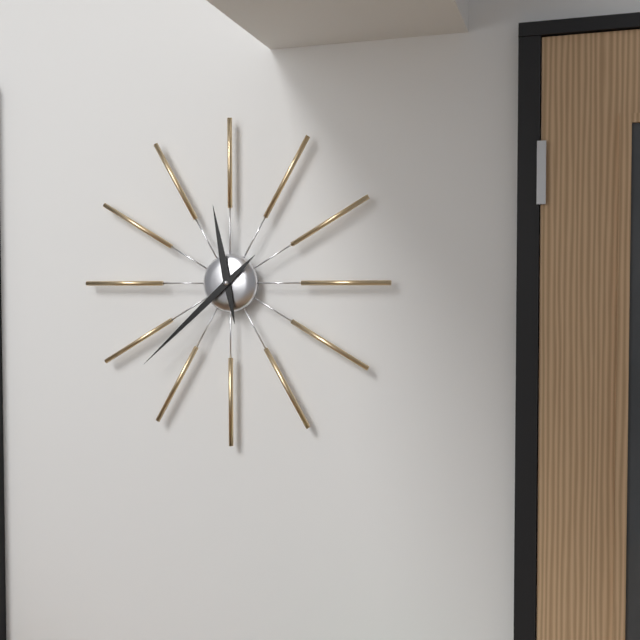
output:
11:38
